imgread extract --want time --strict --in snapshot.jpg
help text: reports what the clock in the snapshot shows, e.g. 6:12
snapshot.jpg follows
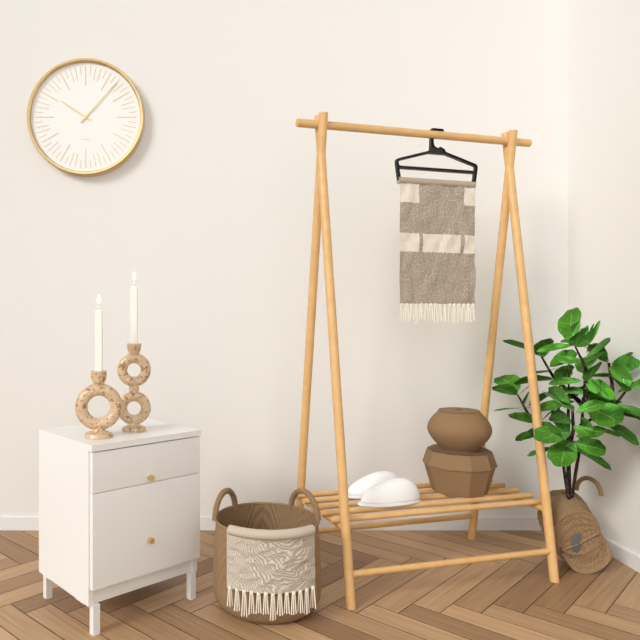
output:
10:07
